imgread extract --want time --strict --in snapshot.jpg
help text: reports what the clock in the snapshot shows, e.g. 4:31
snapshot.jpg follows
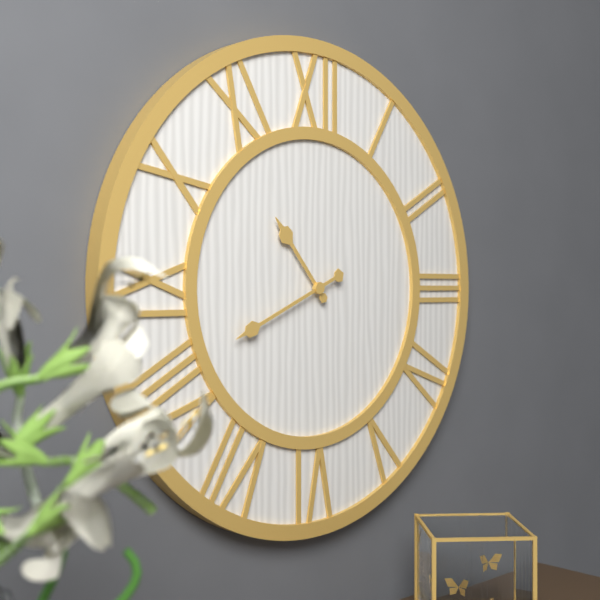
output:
10:41
